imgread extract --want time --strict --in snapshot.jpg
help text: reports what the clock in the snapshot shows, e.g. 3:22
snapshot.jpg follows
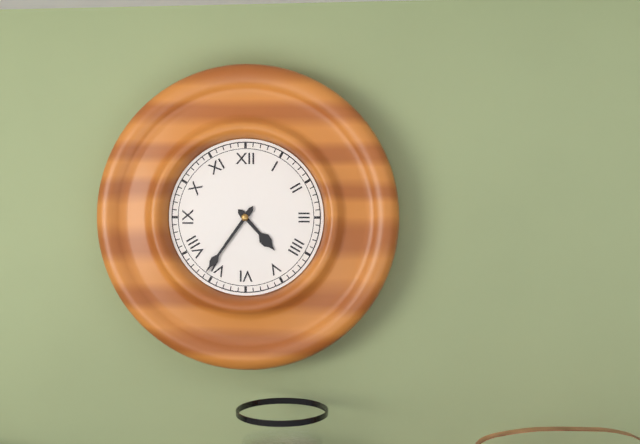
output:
4:36
